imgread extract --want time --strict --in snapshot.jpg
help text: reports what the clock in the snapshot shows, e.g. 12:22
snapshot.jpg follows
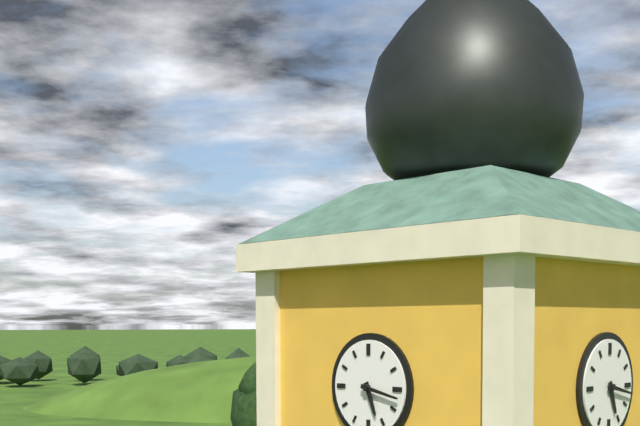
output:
5:17
